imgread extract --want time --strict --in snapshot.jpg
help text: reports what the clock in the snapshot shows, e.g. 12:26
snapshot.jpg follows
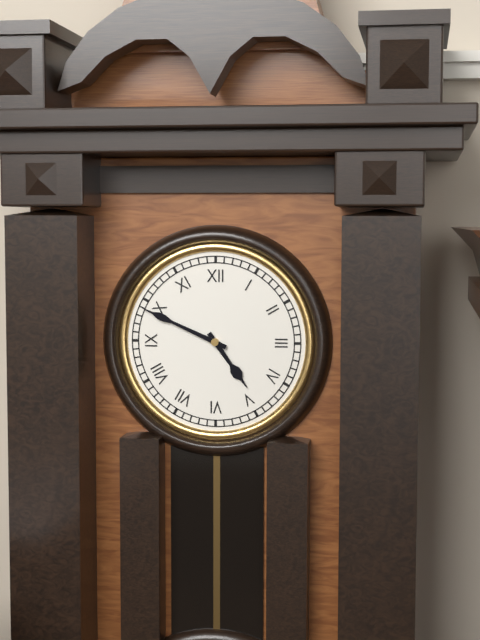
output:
4:49
